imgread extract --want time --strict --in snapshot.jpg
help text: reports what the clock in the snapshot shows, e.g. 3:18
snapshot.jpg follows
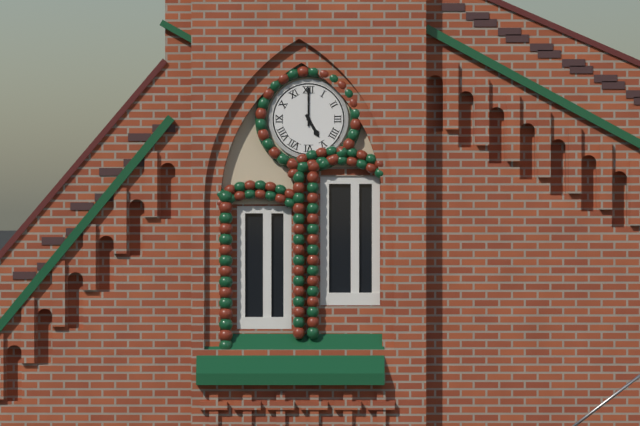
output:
5:00
